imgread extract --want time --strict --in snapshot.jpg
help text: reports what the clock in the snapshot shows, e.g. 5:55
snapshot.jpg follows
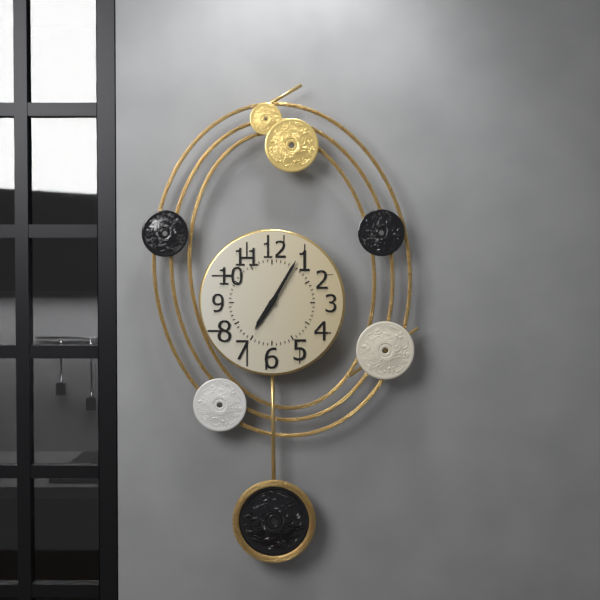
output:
7:05
